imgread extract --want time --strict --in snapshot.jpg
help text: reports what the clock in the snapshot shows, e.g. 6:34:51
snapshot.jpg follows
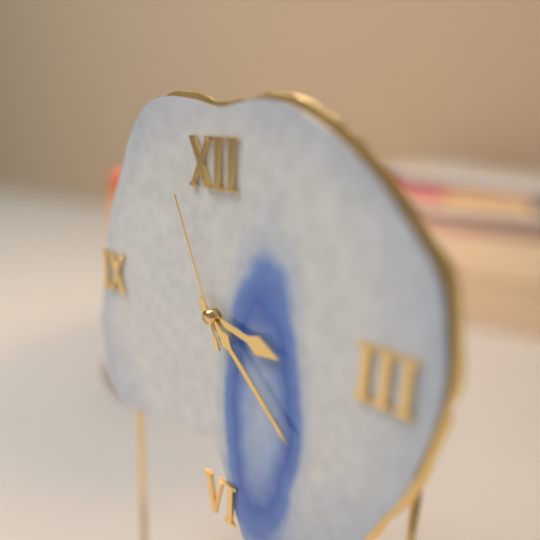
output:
3:22:56
